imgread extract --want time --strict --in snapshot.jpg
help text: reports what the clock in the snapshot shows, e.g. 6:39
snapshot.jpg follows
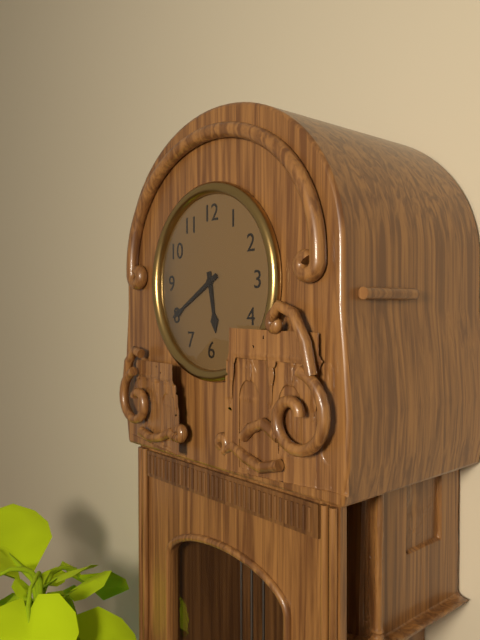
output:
5:40
